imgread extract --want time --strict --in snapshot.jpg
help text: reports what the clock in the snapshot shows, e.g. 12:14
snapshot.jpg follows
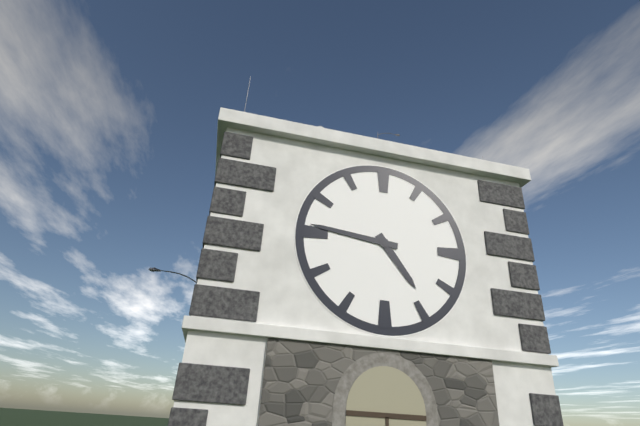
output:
4:46
